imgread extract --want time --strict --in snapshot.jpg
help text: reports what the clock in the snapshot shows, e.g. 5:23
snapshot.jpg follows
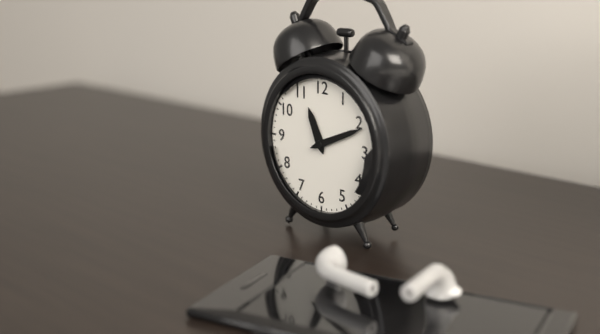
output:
11:11
